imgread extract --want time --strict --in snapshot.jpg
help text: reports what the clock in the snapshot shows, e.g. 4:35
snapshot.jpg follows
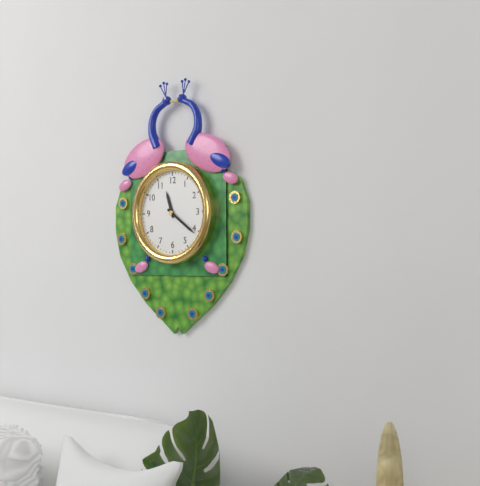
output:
11:21
